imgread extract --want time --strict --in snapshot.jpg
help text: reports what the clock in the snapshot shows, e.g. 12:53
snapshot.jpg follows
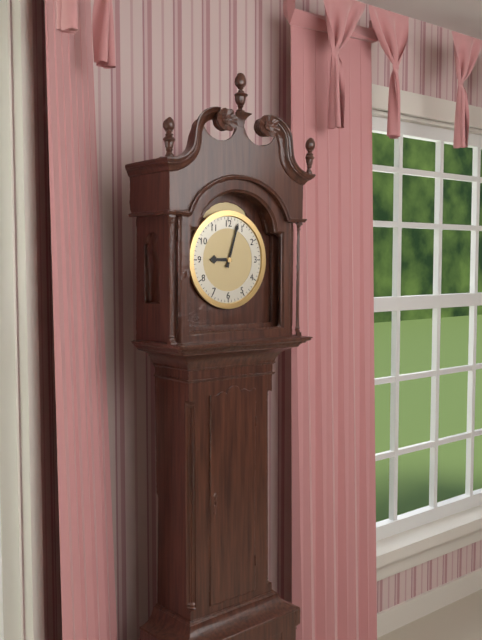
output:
9:03
